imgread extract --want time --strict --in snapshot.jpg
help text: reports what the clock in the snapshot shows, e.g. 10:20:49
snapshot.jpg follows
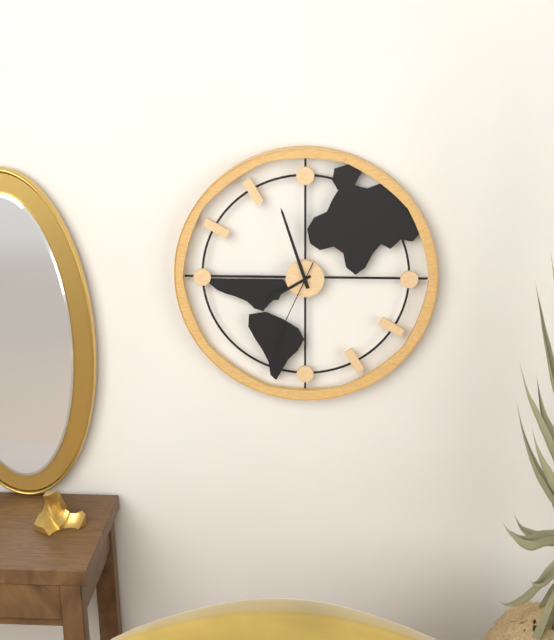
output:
7:57:34
